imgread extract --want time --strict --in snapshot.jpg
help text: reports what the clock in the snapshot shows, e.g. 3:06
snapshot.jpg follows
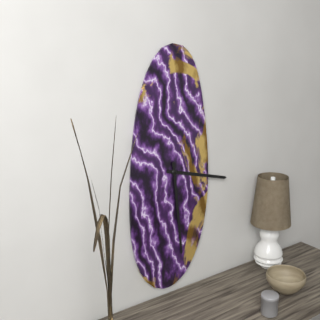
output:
3:29
